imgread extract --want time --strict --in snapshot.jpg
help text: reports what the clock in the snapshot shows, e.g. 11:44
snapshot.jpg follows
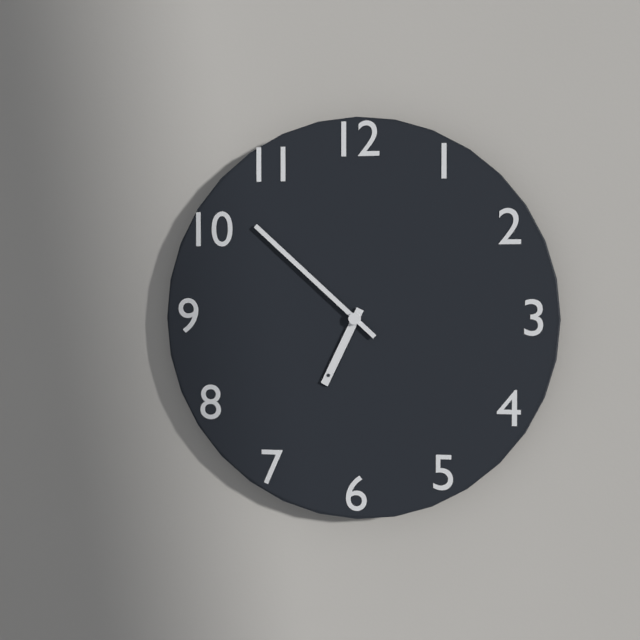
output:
6:52
